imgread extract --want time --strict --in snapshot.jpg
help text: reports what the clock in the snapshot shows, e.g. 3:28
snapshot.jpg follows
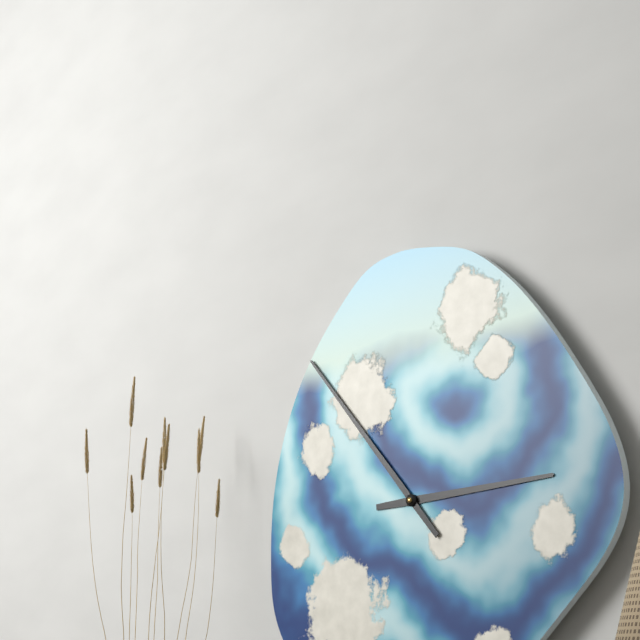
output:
2:53
